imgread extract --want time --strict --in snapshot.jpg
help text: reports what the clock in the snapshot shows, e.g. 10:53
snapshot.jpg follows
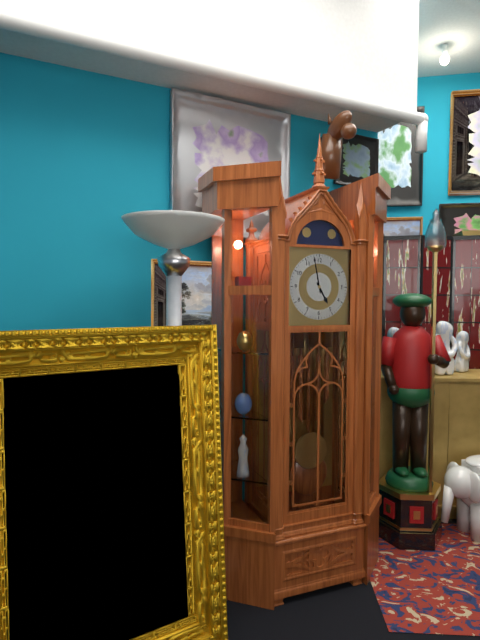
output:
4:58
